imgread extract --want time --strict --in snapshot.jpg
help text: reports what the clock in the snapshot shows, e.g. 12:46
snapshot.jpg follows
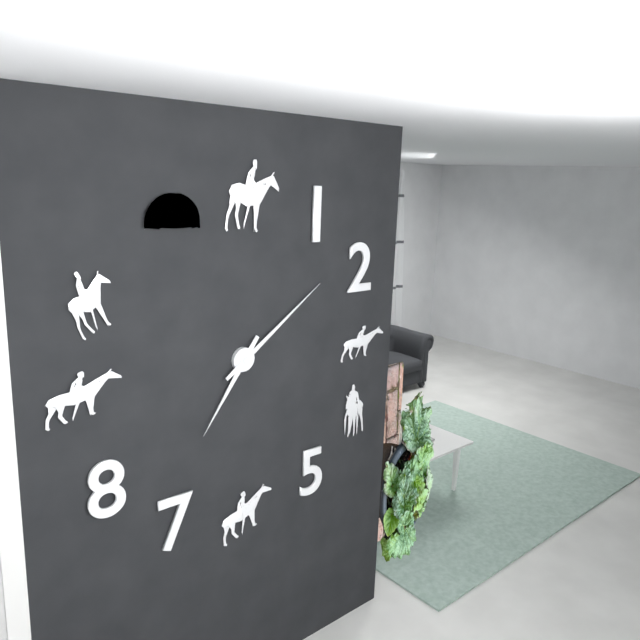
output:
7:09
